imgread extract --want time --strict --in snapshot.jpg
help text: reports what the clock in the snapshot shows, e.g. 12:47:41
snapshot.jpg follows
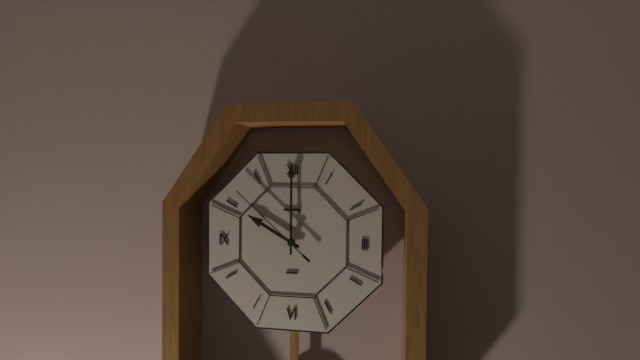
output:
10:00:52
